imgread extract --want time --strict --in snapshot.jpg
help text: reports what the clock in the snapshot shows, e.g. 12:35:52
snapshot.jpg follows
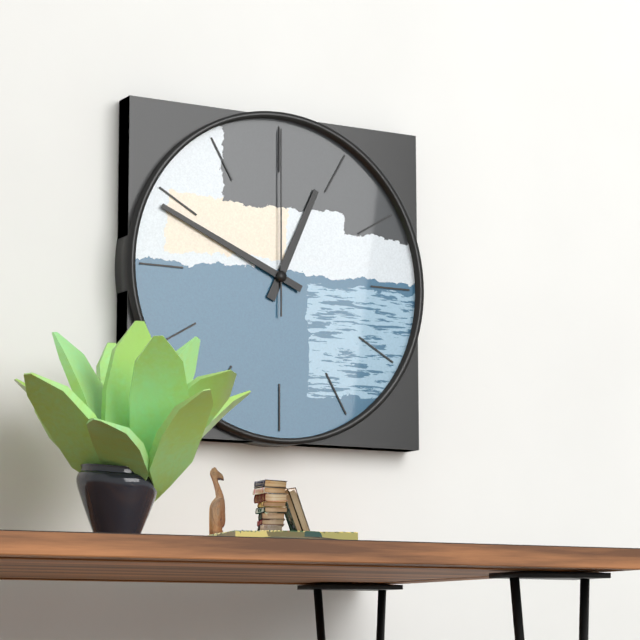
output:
12:49:00
